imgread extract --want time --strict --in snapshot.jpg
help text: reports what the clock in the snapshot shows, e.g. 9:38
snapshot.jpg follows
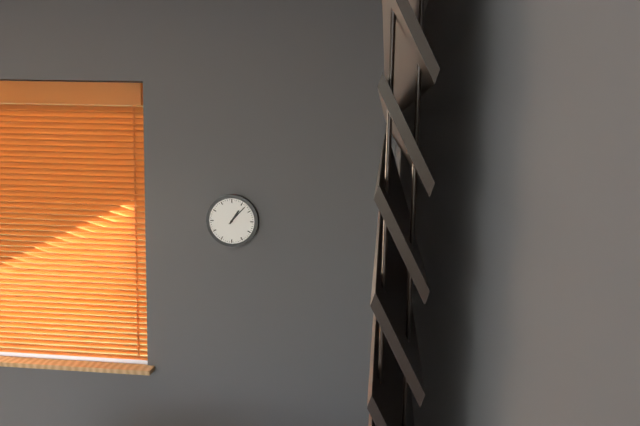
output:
1:07
